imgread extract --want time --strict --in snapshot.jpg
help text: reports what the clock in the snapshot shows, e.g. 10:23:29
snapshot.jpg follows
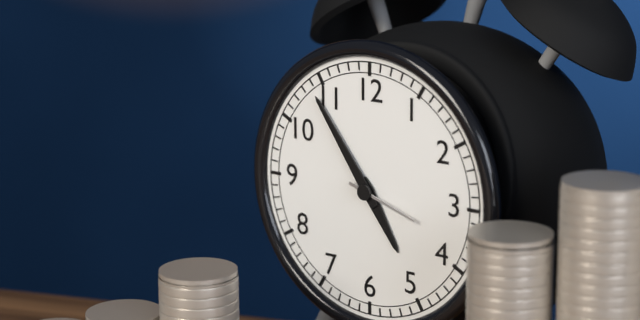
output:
4:54:18
